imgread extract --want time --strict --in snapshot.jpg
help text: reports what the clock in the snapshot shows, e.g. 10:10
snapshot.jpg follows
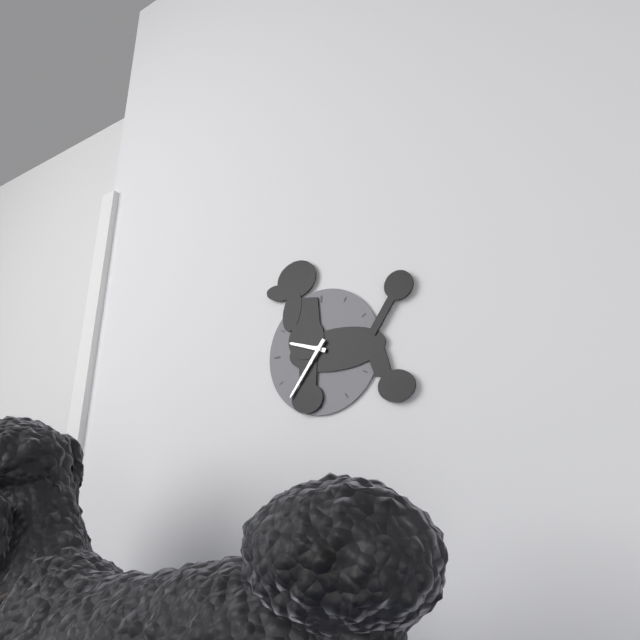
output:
9:36
